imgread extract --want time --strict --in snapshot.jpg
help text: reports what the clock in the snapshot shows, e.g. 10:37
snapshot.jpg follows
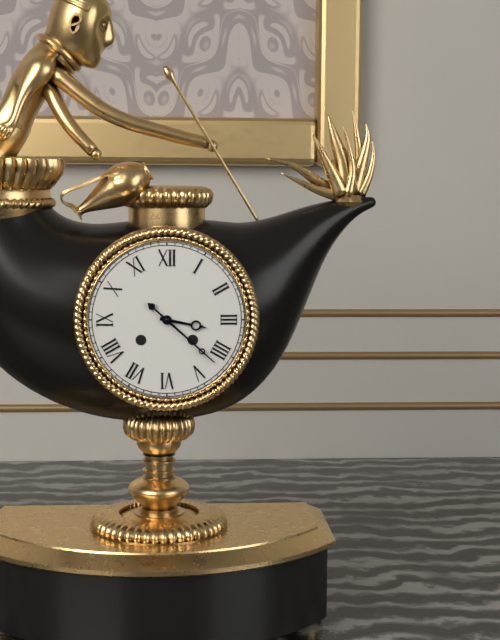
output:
3:22
